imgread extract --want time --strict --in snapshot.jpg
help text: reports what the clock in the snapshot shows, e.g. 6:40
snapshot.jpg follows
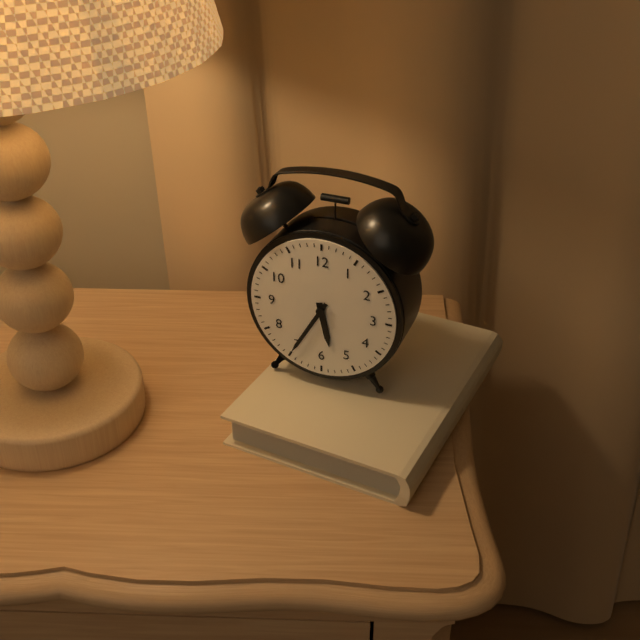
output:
5:35
